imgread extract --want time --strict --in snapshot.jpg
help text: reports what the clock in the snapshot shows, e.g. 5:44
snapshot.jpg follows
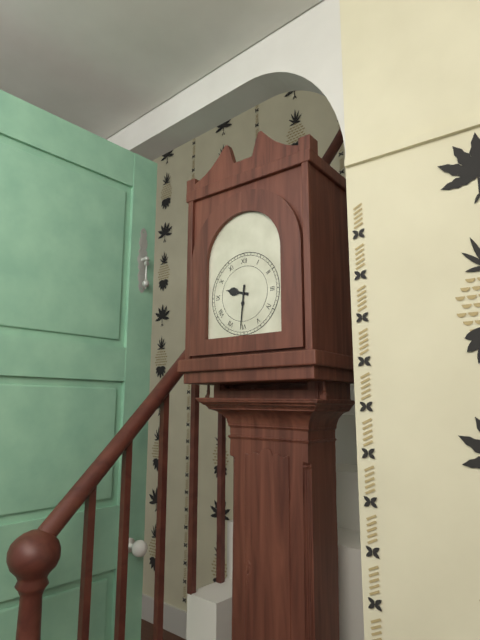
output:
9:31
